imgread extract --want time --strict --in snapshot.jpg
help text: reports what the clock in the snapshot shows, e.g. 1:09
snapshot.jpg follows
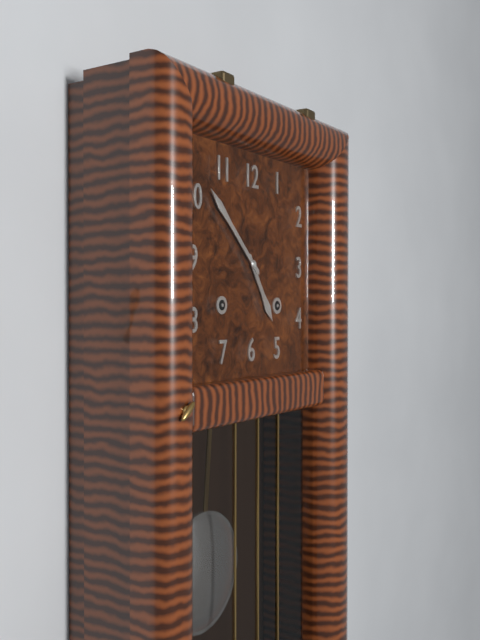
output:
4:52
